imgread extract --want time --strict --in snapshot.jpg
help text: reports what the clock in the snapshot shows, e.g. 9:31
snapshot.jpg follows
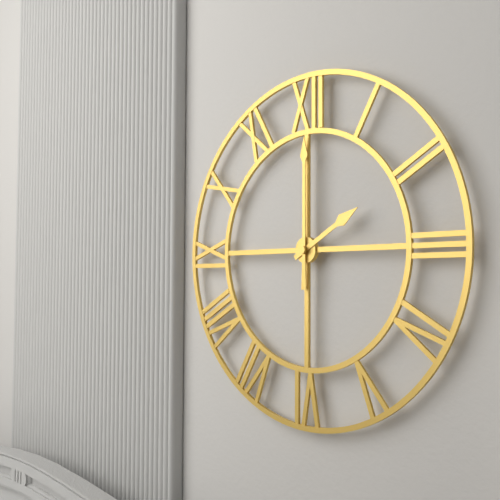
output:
2:00
